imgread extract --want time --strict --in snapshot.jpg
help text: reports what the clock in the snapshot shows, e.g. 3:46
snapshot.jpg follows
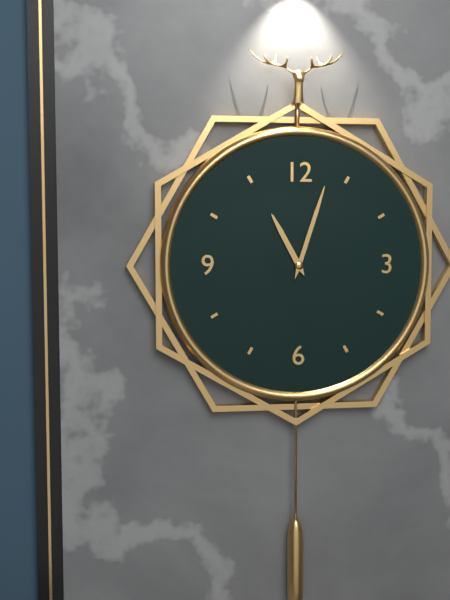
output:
11:03
